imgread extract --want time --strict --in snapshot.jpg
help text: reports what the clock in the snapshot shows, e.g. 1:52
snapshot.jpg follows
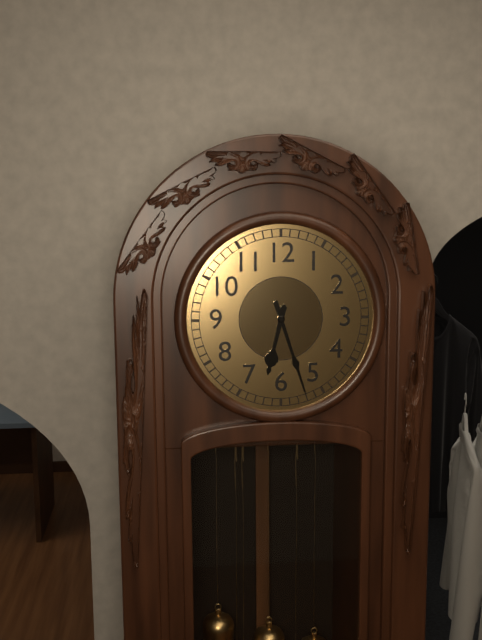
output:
6:27
